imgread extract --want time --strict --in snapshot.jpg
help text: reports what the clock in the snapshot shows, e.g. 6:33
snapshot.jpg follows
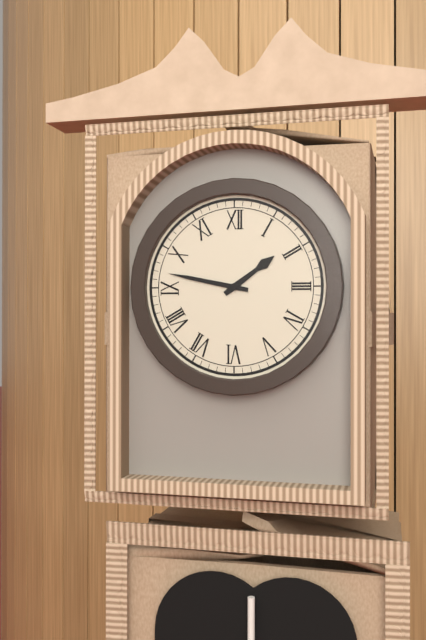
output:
1:47
